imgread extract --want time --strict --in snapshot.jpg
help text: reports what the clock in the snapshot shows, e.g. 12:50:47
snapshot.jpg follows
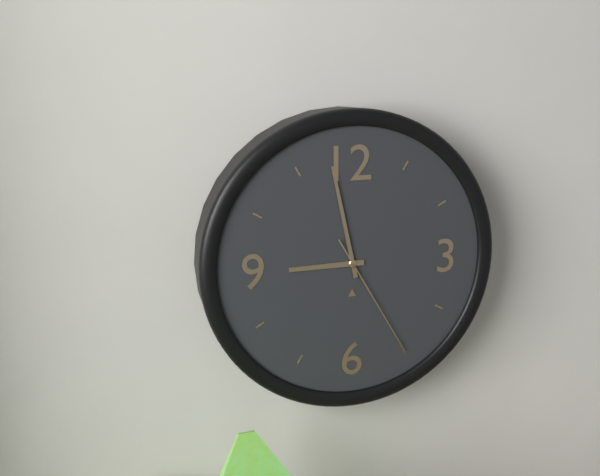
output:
8:58:25
